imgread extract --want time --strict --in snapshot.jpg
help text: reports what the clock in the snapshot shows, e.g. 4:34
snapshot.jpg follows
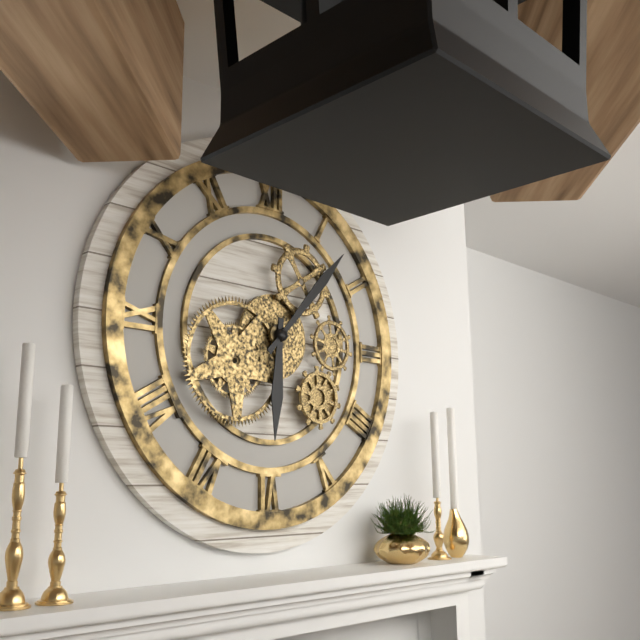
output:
6:07
